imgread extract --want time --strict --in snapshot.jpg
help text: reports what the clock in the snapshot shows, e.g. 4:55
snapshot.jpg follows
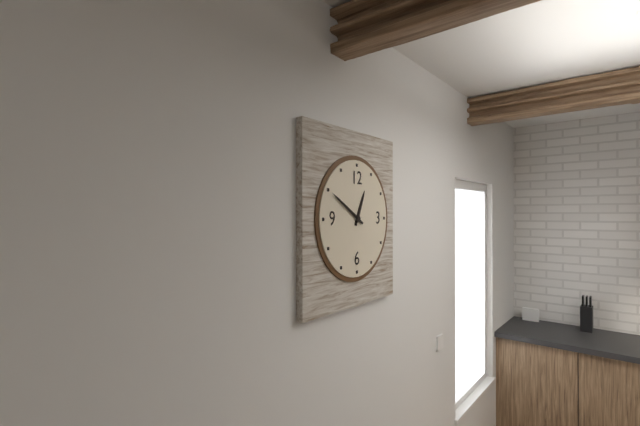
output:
12:50
